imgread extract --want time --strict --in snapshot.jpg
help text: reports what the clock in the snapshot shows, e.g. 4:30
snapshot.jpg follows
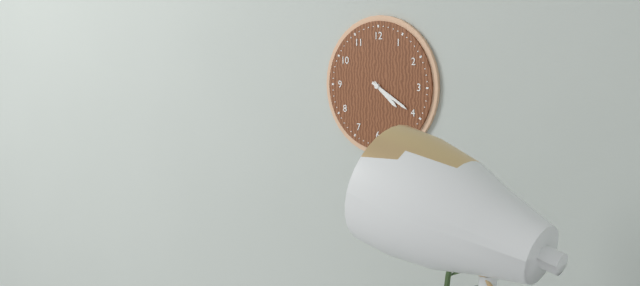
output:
4:20
